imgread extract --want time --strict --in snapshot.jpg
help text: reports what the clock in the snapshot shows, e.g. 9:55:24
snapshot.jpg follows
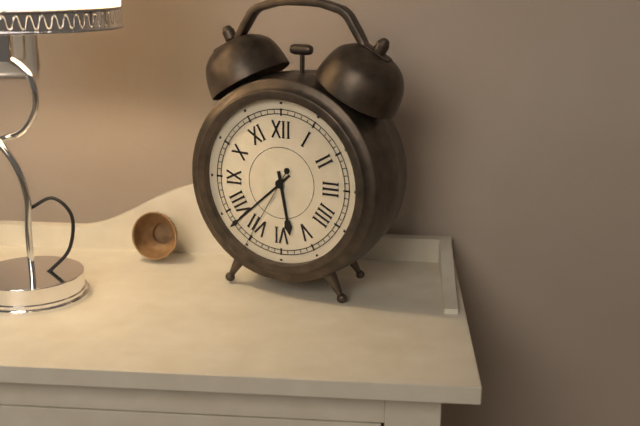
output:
5:38:35
